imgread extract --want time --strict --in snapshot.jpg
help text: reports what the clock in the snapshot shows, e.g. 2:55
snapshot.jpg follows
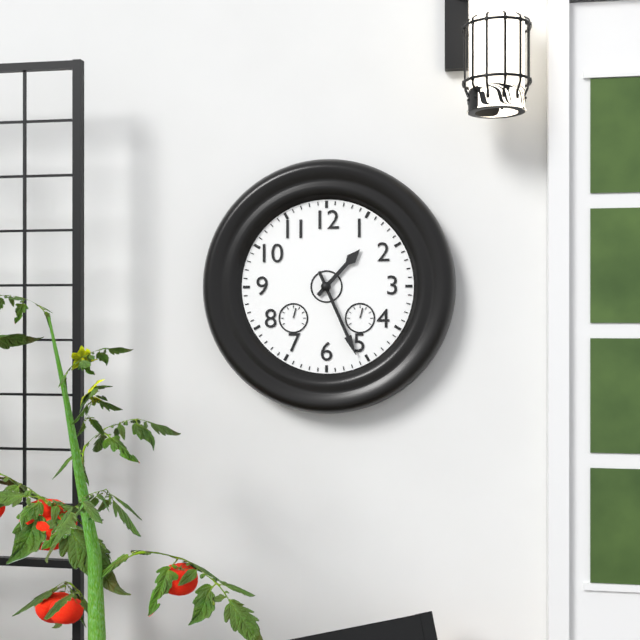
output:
1:26
